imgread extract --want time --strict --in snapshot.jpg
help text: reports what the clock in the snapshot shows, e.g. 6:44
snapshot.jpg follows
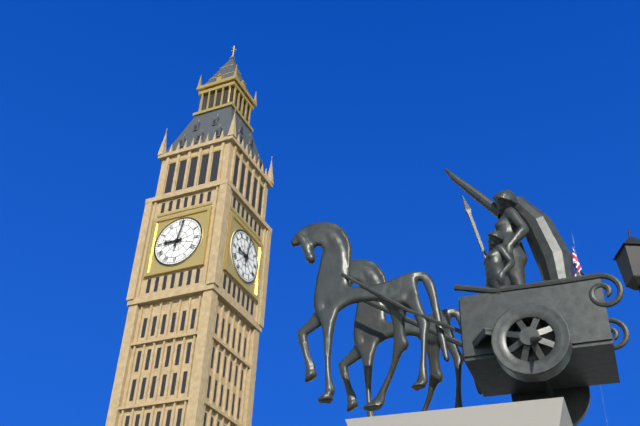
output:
9:02
